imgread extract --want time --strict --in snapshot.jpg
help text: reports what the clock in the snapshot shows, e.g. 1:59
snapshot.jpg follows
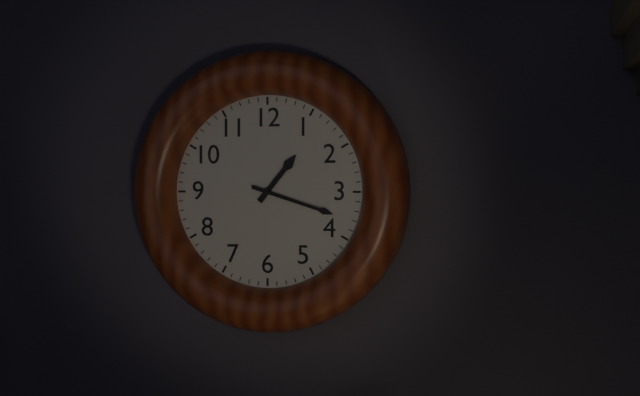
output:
1:18
